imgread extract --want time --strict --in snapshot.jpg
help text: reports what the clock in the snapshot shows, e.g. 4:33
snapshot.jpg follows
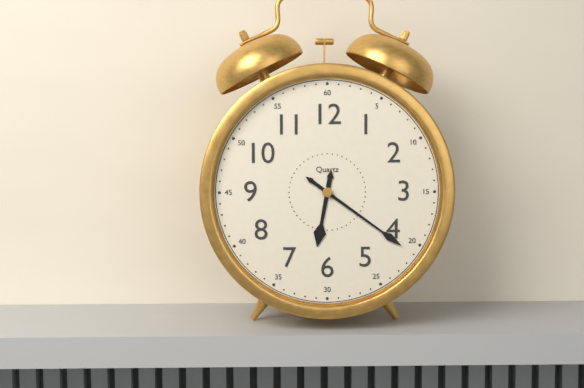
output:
6:21
